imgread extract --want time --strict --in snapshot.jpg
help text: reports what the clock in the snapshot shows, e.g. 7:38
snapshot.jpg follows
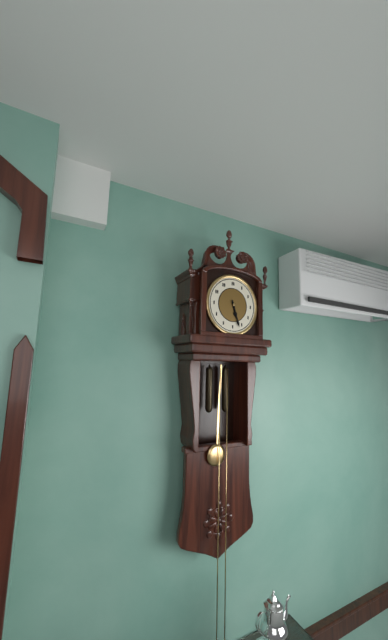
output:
5:27
